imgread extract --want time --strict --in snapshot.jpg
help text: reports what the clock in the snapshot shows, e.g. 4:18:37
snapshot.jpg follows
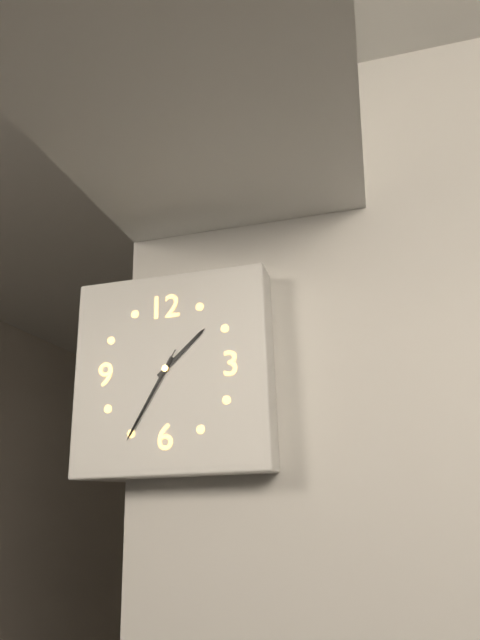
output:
1:35:35
